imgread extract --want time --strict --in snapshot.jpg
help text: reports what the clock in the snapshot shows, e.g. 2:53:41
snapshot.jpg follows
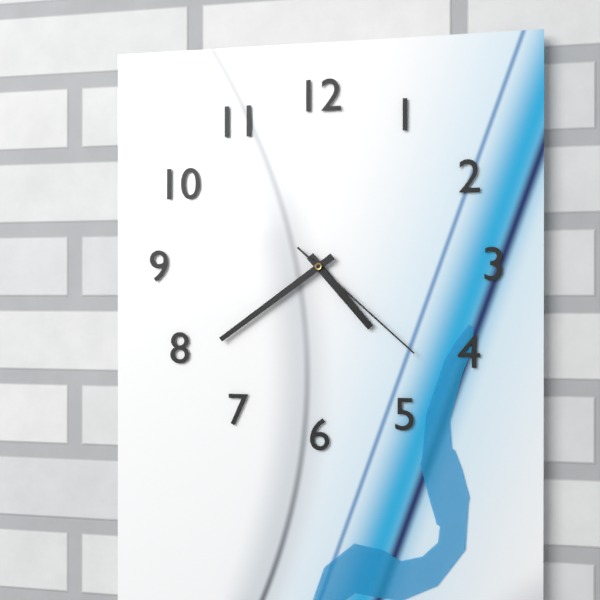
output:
4:39:22
